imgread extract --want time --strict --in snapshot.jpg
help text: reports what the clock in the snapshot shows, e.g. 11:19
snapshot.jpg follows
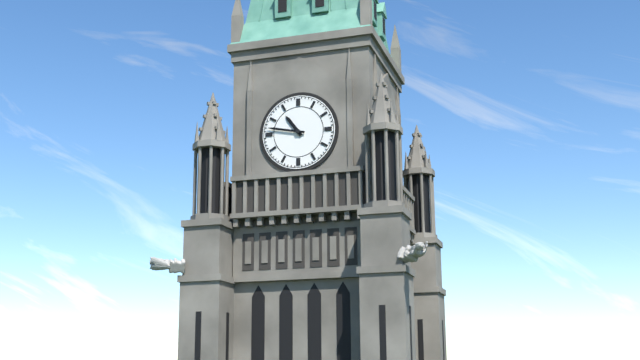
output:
10:47
